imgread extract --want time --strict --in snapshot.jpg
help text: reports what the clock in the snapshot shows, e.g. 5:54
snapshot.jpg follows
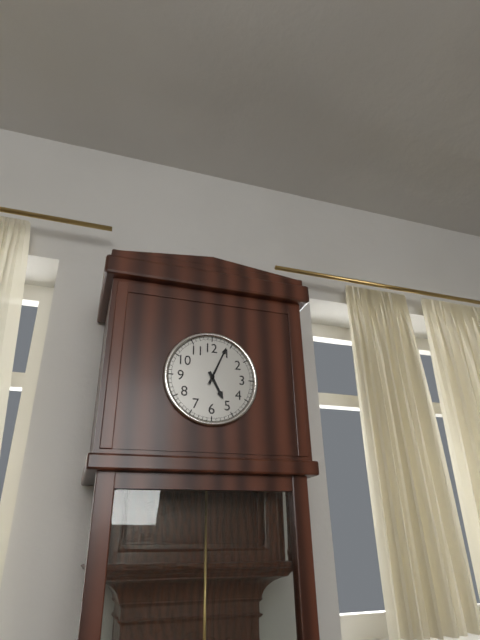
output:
5:04
